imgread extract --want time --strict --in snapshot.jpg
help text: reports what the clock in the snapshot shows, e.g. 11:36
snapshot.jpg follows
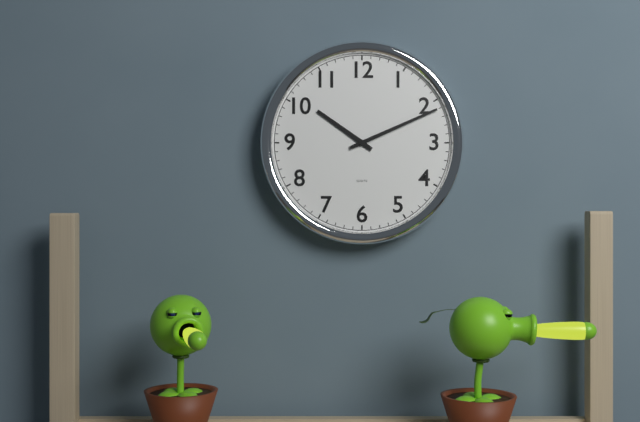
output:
10:11
